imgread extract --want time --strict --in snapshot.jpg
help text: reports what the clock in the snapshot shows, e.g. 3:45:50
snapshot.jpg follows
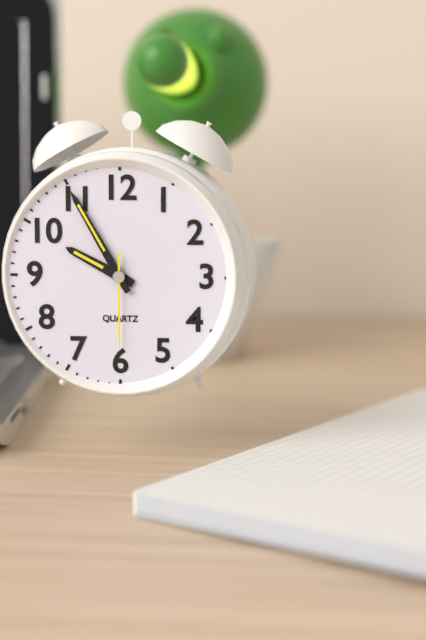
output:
9:55:30
